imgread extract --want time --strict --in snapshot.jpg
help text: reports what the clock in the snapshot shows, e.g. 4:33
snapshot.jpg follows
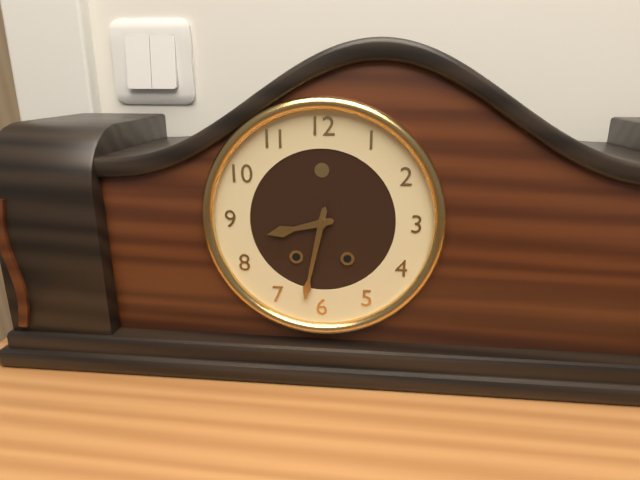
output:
8:32
